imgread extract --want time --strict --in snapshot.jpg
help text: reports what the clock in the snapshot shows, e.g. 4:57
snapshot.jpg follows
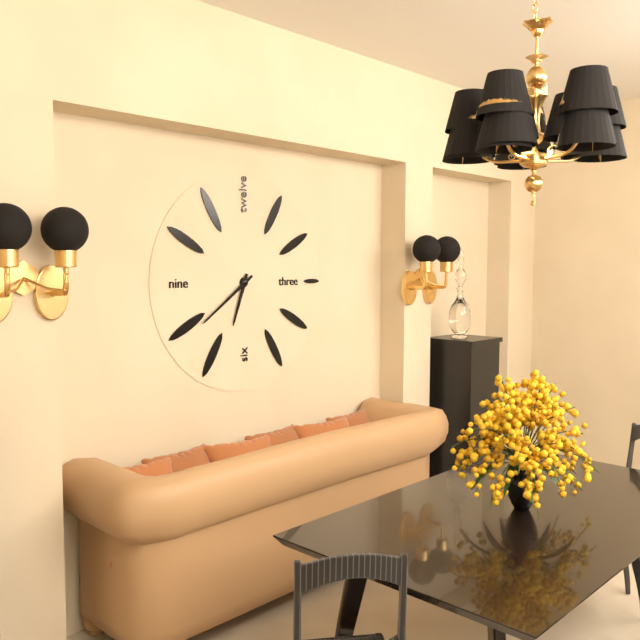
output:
6:39
